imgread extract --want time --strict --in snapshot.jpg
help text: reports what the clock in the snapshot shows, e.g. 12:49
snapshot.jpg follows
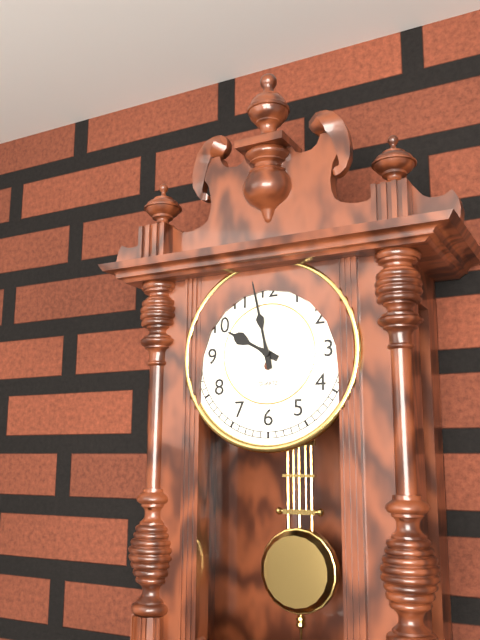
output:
9:58
